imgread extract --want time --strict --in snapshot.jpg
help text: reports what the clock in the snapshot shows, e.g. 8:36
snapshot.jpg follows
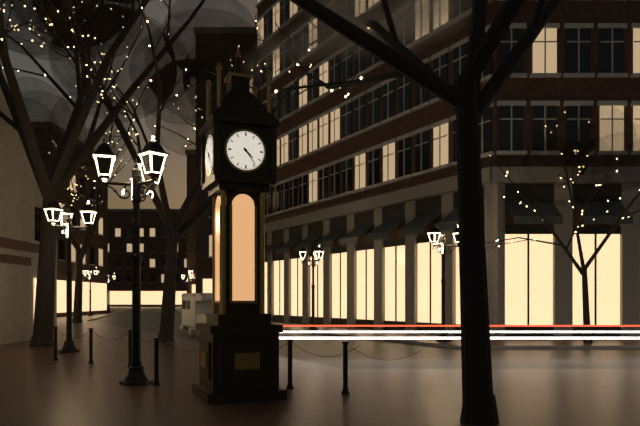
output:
4:24
